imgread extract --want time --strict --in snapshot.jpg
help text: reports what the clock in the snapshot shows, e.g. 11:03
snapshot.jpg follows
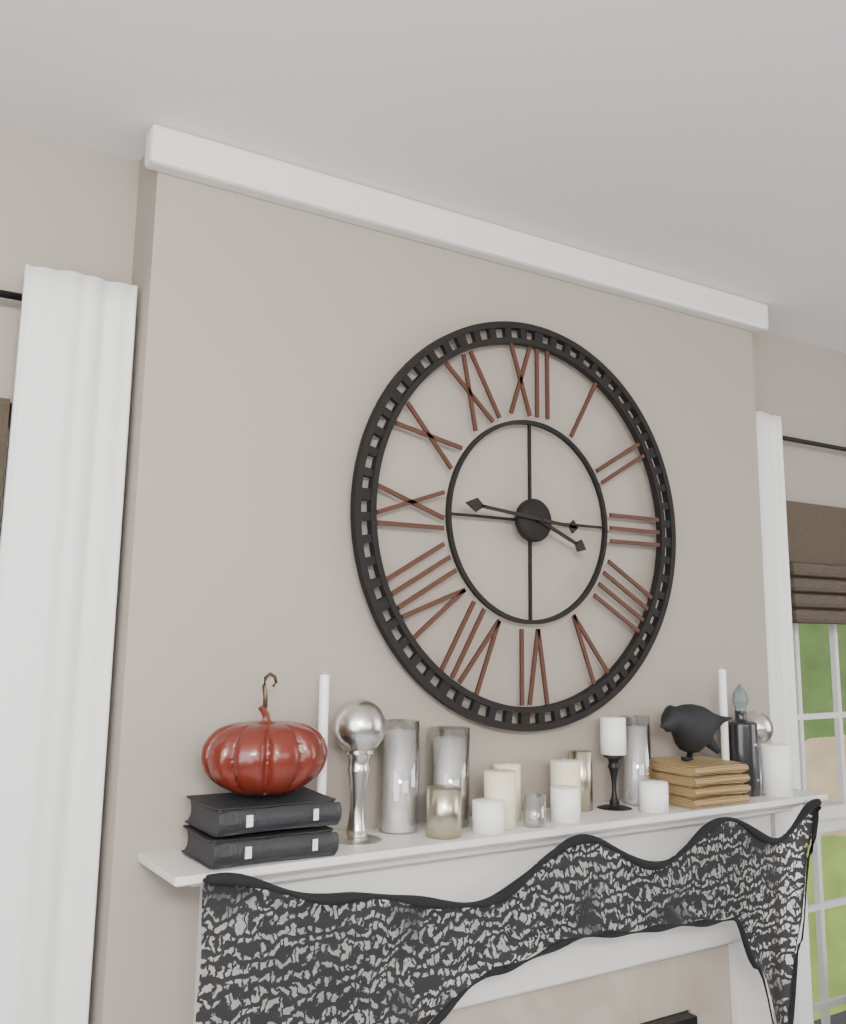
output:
3:46
